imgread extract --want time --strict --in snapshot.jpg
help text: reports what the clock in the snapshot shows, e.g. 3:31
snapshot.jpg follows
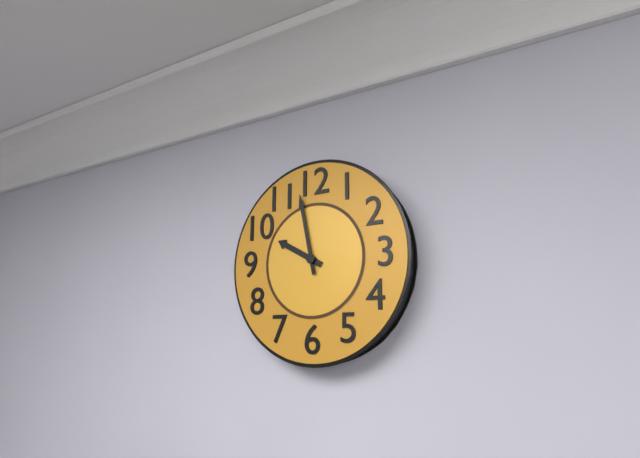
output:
9:58
